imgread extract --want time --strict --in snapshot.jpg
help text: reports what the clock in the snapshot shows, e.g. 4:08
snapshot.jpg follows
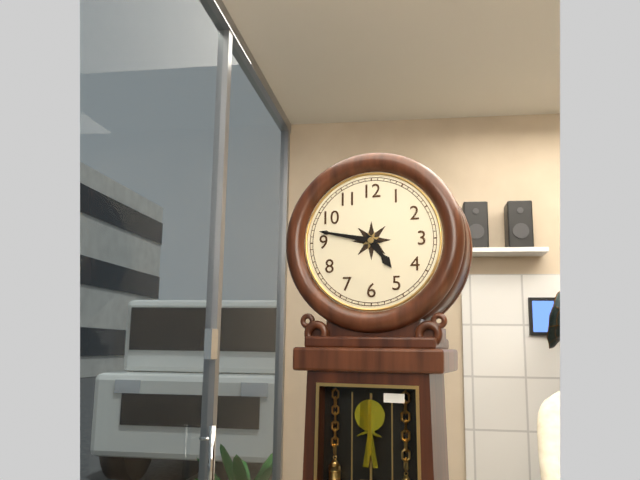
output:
4:47
